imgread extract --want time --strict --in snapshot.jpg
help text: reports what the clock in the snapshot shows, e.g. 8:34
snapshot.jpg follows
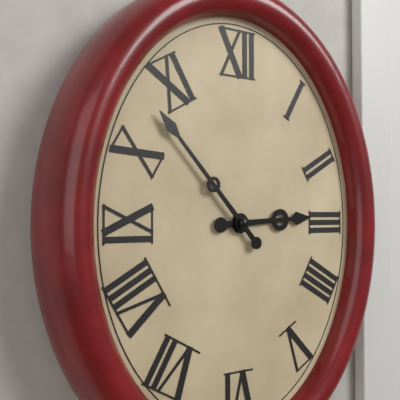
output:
2:53
